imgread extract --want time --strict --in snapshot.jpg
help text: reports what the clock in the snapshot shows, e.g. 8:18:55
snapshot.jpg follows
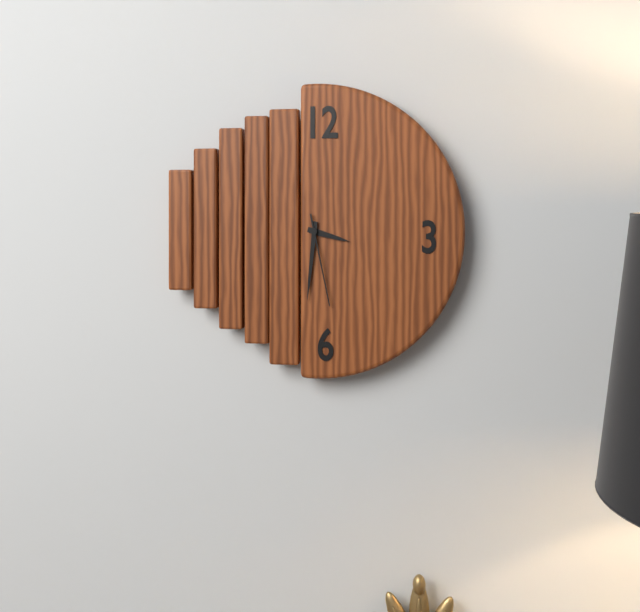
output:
3:31:28
